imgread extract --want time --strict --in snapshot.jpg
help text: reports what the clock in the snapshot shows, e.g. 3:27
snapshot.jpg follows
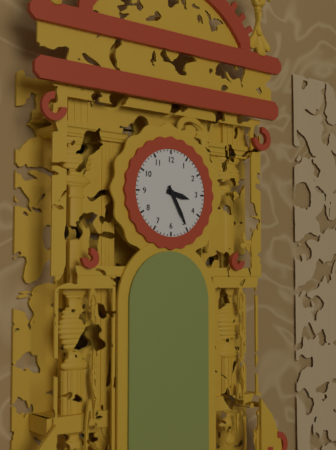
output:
3:25
